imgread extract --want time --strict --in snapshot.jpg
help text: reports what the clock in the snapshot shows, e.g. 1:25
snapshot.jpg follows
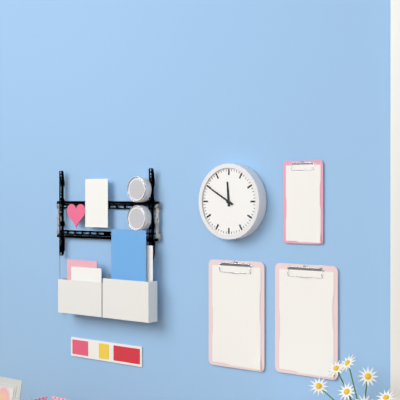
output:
11:50
